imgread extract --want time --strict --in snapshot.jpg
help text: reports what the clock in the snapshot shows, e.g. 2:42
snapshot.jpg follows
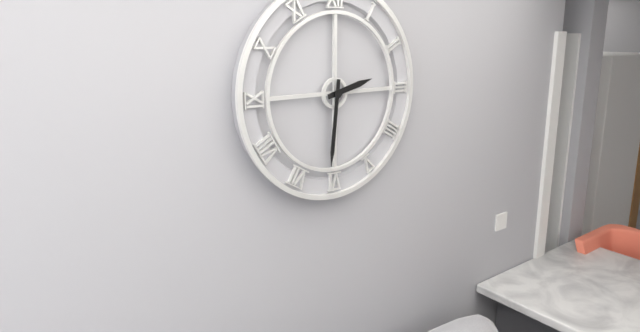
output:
2:31
